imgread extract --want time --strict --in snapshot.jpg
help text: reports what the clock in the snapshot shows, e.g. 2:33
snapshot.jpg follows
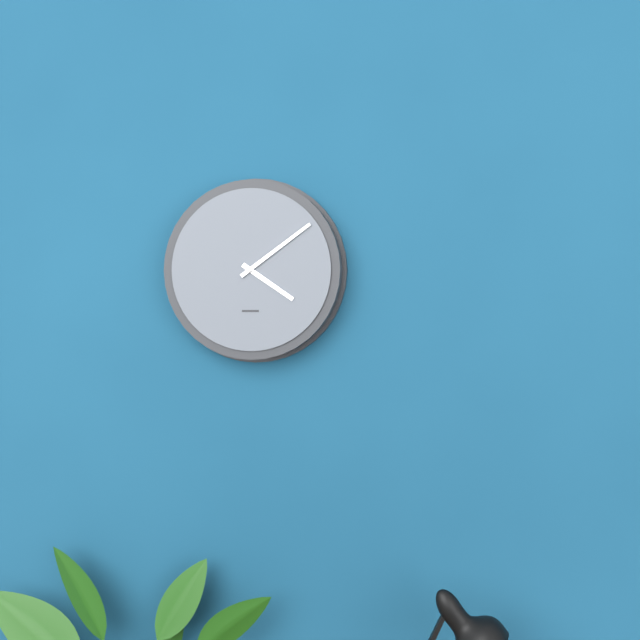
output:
4:09
